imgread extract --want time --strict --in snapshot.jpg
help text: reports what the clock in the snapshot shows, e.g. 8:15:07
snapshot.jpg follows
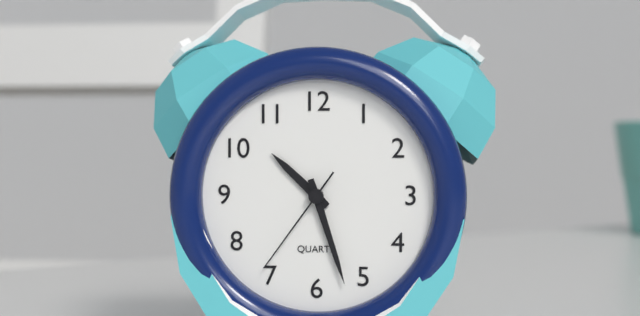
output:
10:27:36
